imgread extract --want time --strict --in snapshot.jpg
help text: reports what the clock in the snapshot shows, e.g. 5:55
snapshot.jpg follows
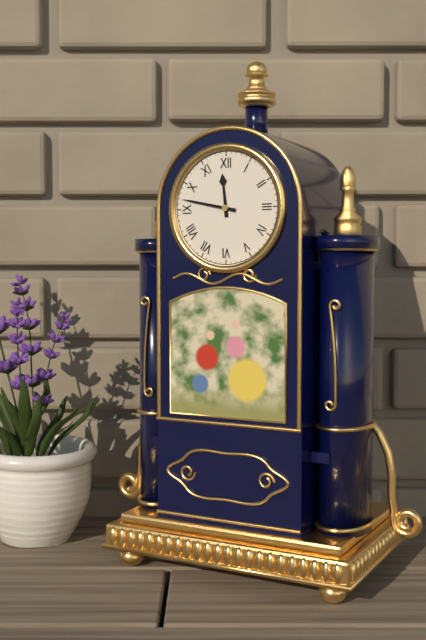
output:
11:47
